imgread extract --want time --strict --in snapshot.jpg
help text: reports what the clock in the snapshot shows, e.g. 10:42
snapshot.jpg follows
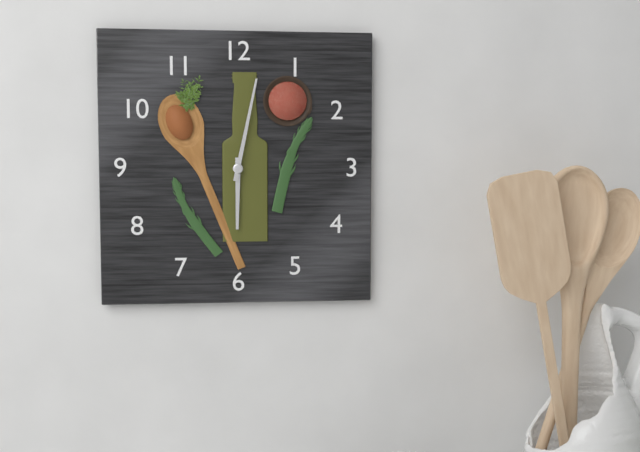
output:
6:02
